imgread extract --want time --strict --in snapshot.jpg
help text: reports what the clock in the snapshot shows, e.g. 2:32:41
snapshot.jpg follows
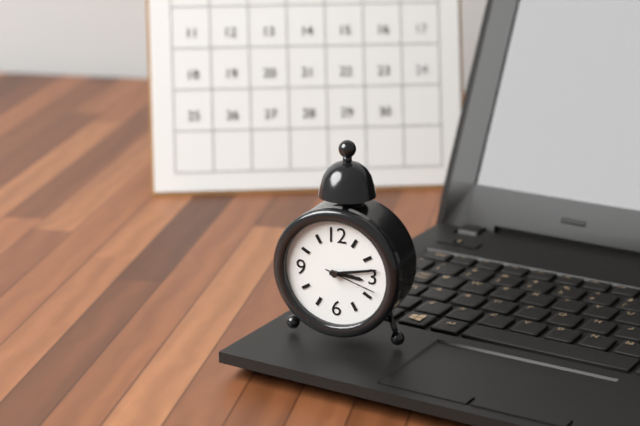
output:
3:13:18
